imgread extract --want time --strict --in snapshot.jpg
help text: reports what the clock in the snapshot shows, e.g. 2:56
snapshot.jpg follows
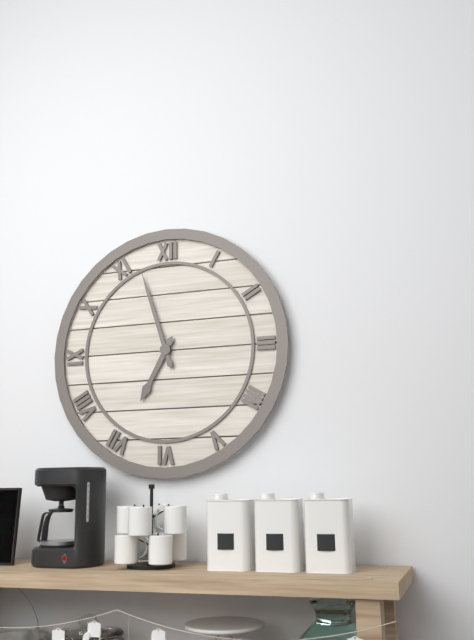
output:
6:57
